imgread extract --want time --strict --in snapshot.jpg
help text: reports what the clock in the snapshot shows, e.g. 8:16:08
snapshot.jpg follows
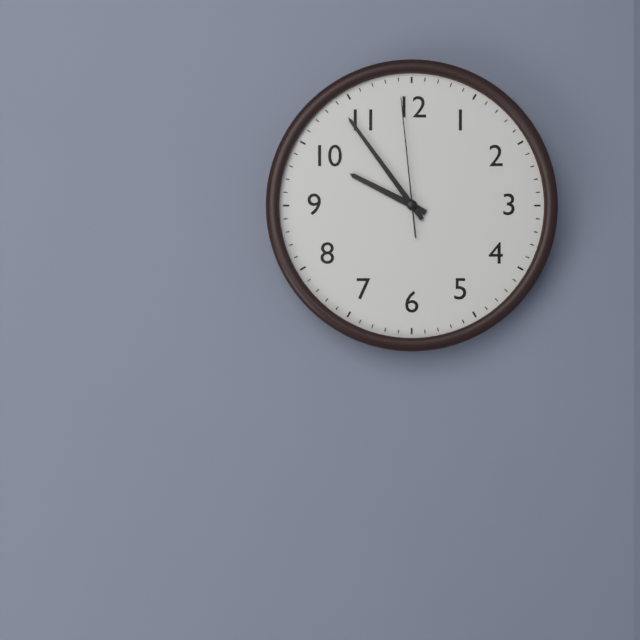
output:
9:54:59
